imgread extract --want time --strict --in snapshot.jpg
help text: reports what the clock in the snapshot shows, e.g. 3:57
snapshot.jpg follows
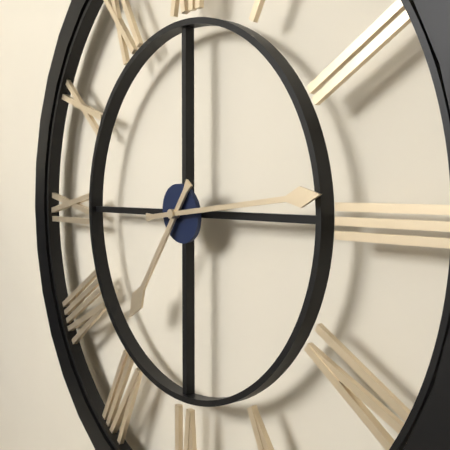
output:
7:14
